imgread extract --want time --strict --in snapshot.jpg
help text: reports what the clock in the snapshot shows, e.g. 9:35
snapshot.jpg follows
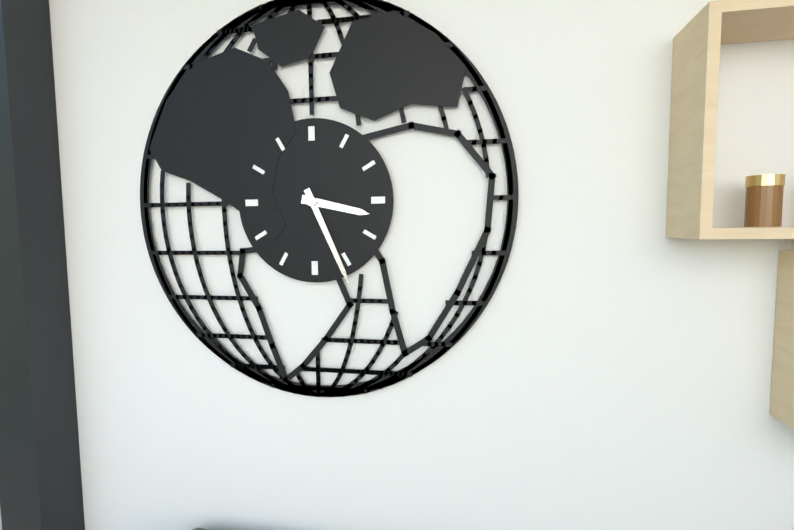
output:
3:26
